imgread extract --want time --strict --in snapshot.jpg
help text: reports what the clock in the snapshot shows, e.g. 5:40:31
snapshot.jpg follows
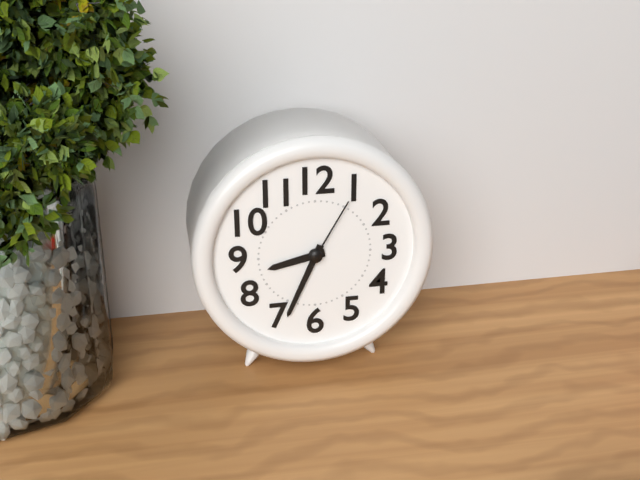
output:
8:34:05
